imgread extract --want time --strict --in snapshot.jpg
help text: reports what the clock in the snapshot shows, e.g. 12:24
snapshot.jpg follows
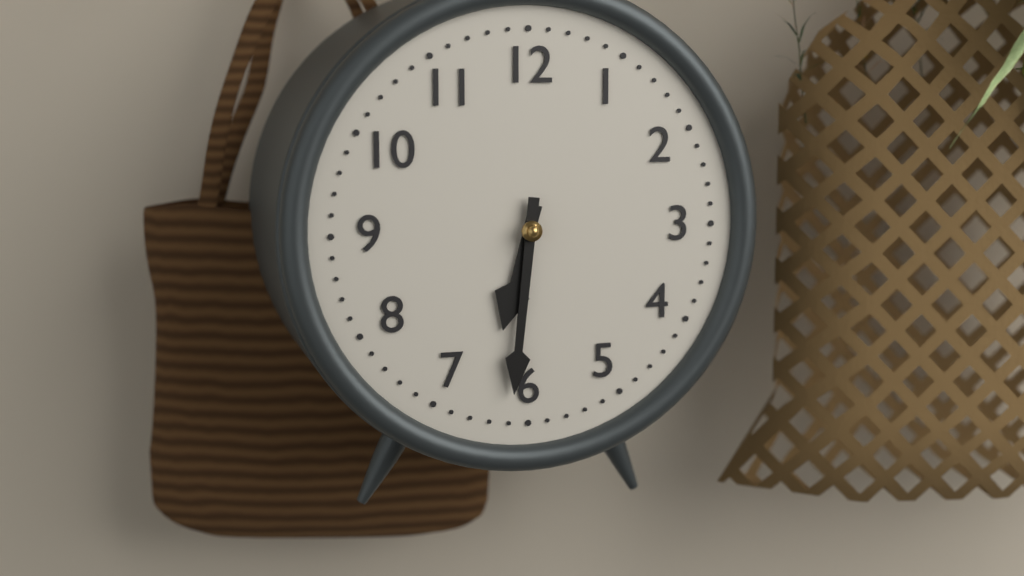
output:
6:31
